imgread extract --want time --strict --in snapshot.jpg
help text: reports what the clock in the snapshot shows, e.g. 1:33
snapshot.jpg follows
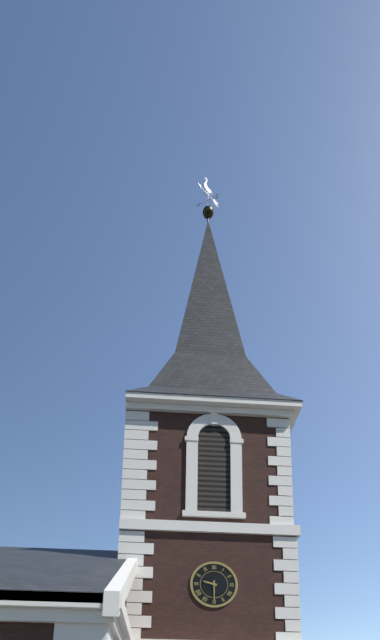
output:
9:30
